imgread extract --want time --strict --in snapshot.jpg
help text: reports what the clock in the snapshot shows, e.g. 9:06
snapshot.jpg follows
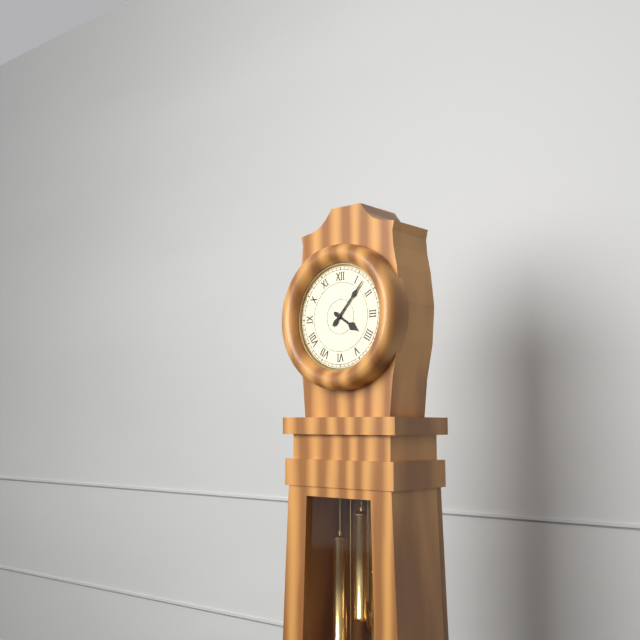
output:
4:07
